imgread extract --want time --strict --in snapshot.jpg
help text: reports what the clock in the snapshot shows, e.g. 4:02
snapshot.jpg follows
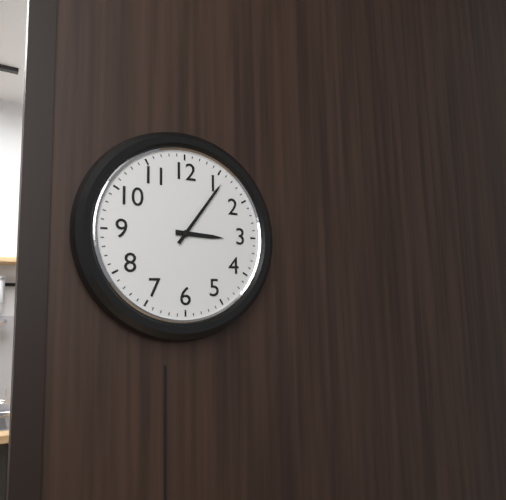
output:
3:06
